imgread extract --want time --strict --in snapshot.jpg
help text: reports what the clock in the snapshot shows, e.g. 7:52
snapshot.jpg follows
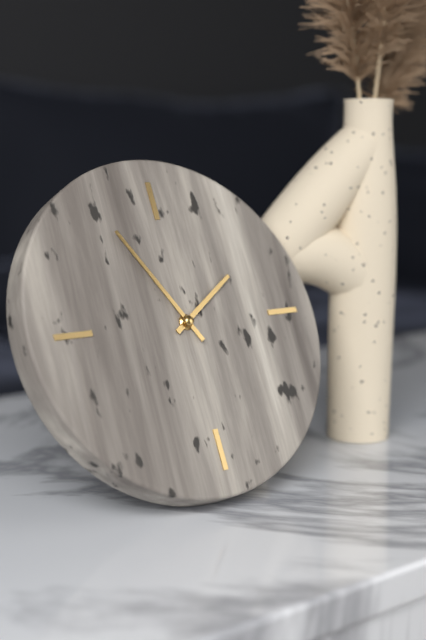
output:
1:55
